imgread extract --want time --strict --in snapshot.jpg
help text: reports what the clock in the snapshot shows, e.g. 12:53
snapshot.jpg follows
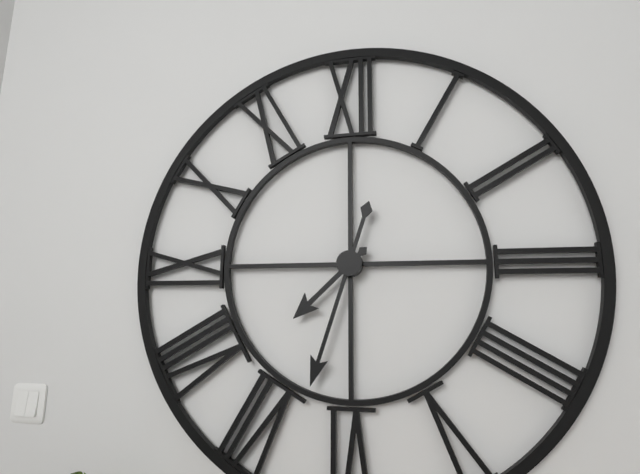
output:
7:33
